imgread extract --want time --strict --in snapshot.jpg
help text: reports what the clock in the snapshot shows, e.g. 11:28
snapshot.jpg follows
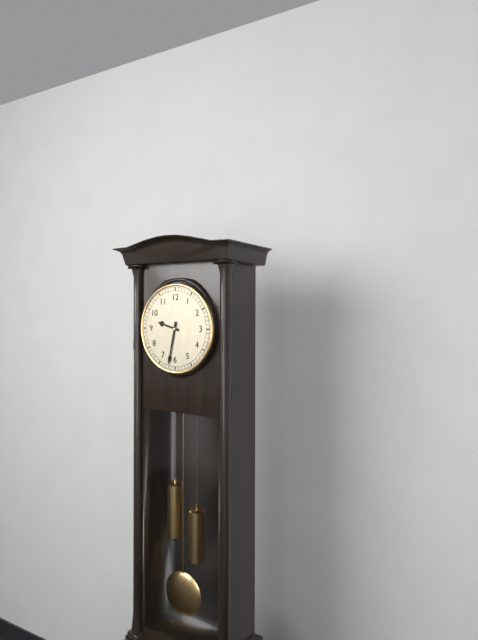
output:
9:32
